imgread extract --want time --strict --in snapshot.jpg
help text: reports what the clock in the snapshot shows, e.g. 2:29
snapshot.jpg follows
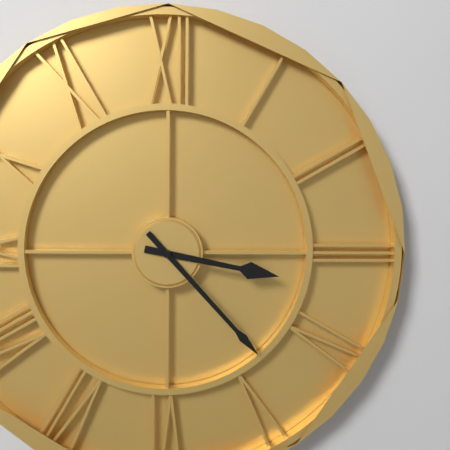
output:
3:23
